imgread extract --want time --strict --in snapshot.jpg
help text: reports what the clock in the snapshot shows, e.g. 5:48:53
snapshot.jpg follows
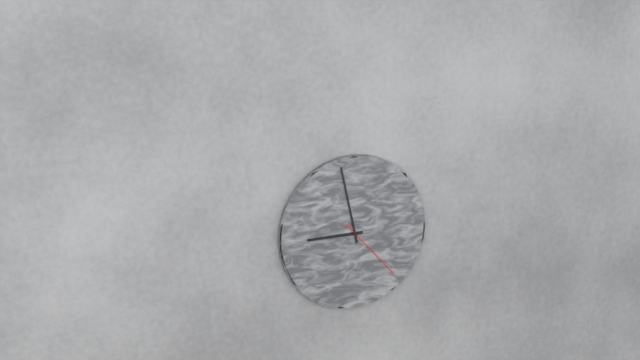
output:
8:58:23
